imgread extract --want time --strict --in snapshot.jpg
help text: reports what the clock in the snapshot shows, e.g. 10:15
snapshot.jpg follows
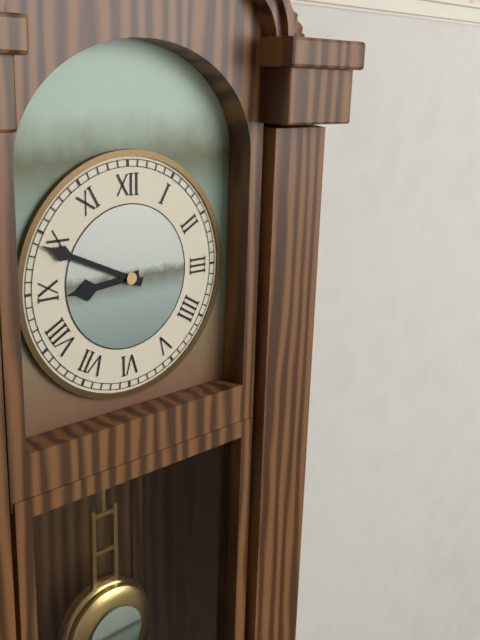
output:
8:49
